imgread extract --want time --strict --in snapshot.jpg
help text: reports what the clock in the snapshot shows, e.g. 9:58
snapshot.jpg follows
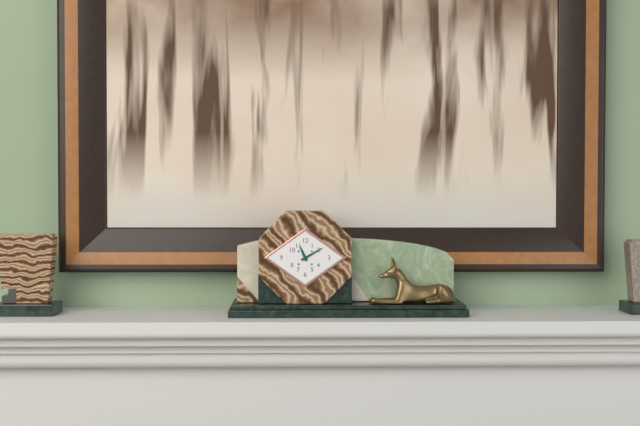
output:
11:10
